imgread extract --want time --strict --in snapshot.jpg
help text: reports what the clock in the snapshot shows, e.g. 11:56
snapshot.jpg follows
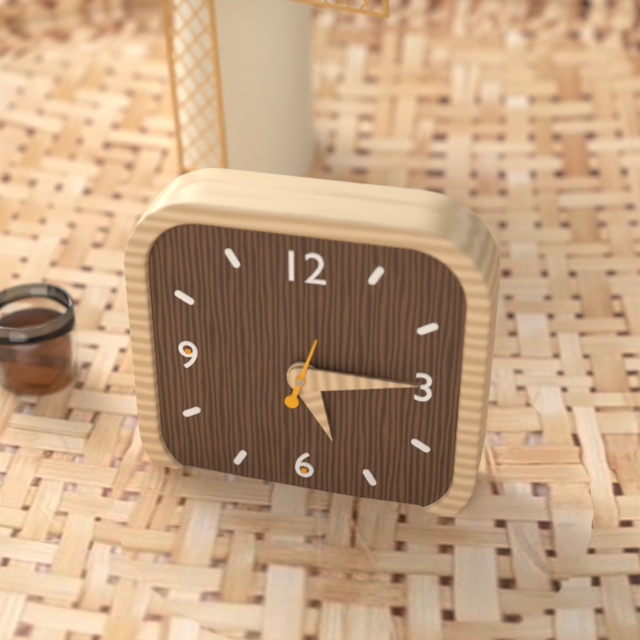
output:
5:14
